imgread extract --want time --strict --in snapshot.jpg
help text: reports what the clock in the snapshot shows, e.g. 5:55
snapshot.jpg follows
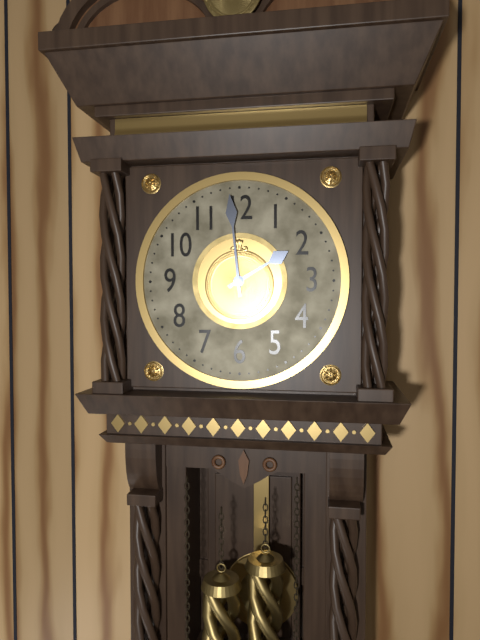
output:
1:59
